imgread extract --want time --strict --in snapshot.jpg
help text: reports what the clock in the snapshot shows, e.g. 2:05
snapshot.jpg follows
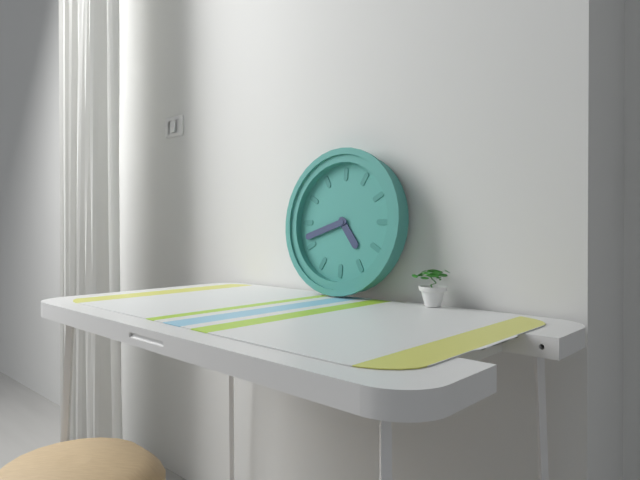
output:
4:42
